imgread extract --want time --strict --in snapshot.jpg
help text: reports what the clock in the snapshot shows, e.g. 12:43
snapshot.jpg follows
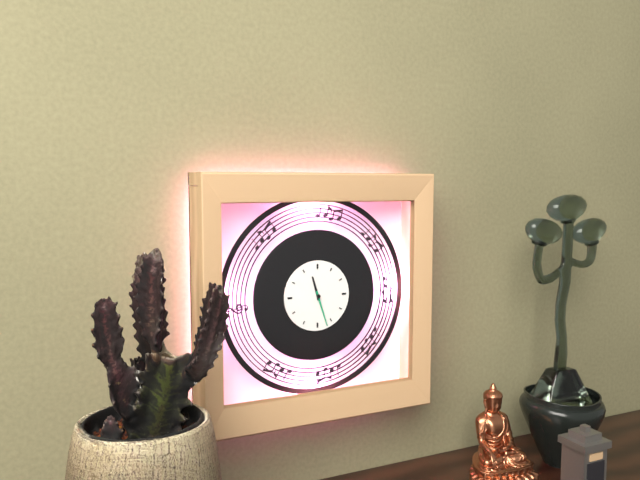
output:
11:27
